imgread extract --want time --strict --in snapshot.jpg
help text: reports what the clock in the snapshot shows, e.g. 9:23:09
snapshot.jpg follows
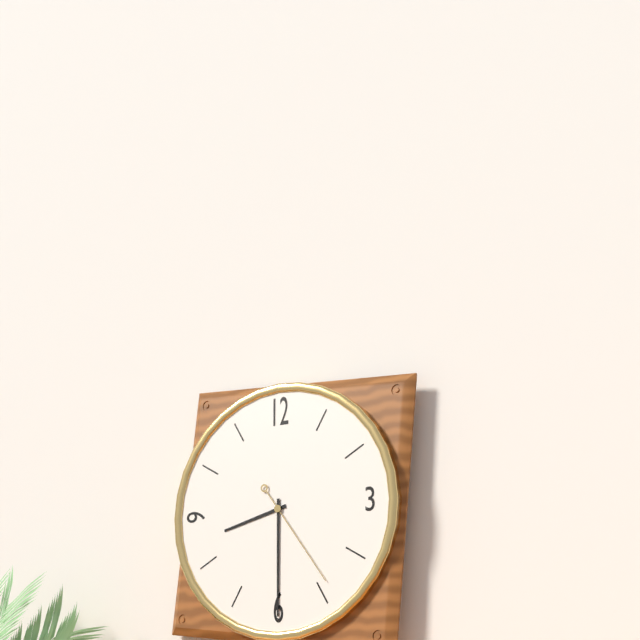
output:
8:30:24
